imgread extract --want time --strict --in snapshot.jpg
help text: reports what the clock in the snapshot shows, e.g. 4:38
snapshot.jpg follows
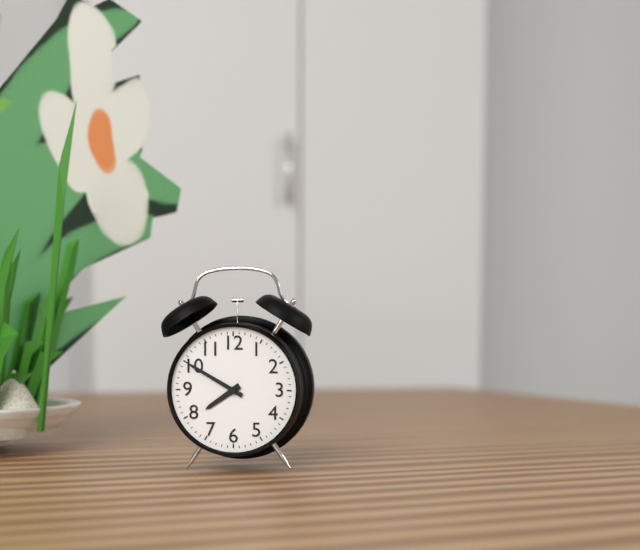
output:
7:50
